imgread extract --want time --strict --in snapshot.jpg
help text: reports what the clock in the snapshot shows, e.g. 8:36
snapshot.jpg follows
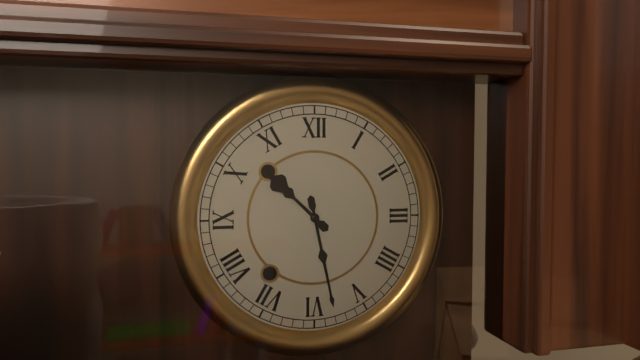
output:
10:28
